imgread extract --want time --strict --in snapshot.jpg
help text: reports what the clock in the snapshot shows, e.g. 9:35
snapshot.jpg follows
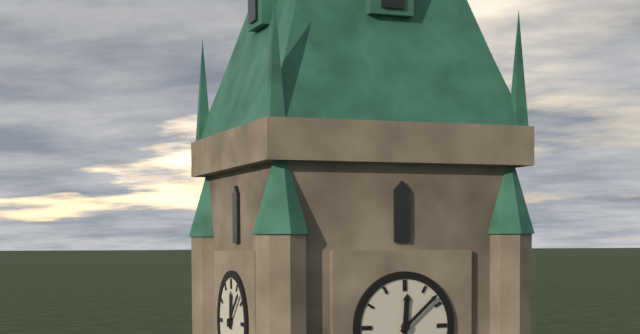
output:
12:08
